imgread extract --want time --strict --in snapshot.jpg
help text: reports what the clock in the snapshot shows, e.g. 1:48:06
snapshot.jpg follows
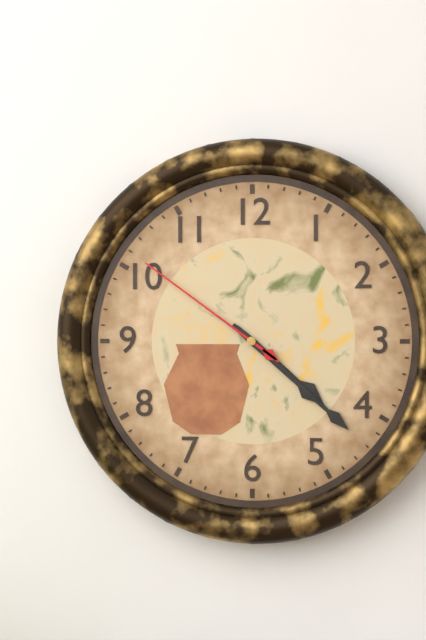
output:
4:22:51
